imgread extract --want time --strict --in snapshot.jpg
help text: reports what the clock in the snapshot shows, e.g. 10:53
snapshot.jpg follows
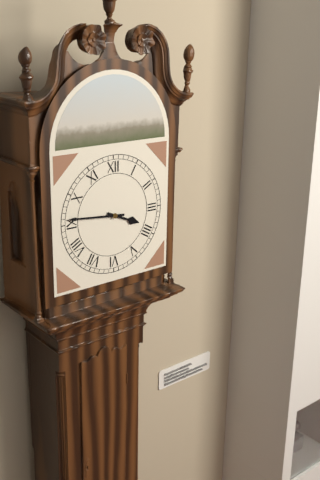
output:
3:46
